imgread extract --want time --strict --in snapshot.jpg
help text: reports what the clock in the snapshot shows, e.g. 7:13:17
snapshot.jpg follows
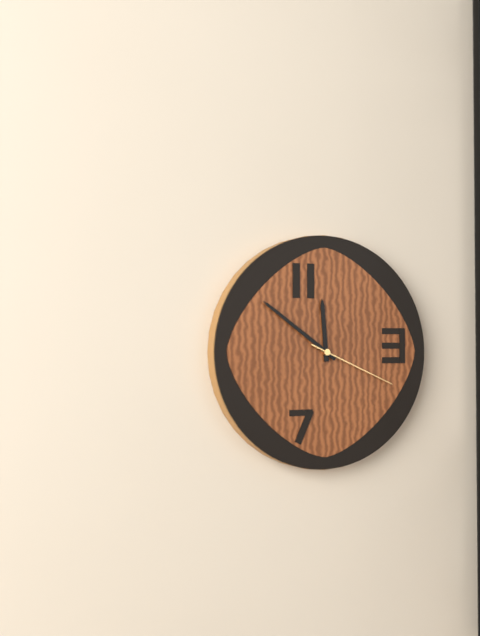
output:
11:51:19
